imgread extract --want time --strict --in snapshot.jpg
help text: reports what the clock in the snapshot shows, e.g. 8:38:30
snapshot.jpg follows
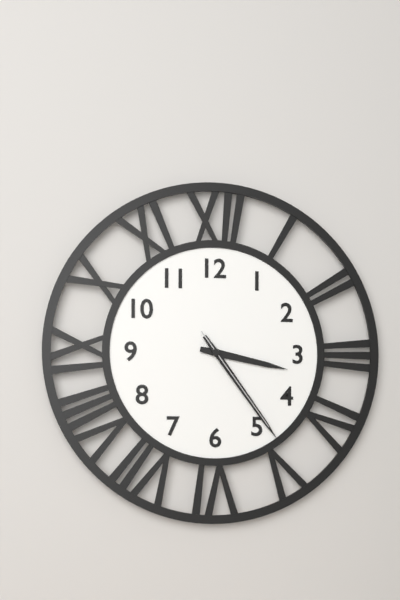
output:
3:24:24
